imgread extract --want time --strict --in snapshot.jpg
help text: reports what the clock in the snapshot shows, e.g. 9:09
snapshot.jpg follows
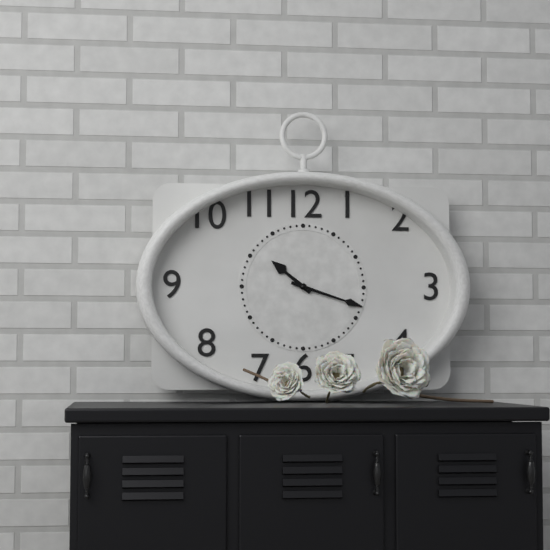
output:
10:18
